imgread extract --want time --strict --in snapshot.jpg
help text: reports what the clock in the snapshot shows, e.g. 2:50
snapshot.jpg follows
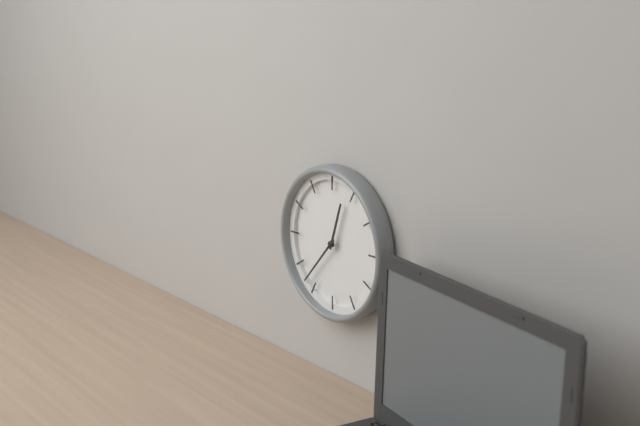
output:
12:37
